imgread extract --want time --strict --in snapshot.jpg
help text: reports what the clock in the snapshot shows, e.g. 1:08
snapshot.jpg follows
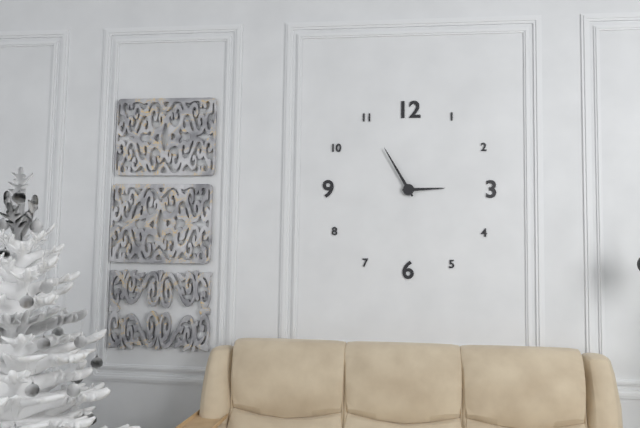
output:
2:55
